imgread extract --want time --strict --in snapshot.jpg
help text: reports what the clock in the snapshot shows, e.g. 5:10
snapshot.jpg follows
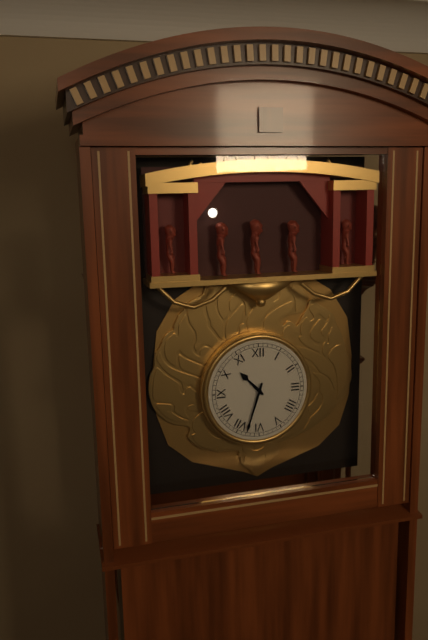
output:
10:33
